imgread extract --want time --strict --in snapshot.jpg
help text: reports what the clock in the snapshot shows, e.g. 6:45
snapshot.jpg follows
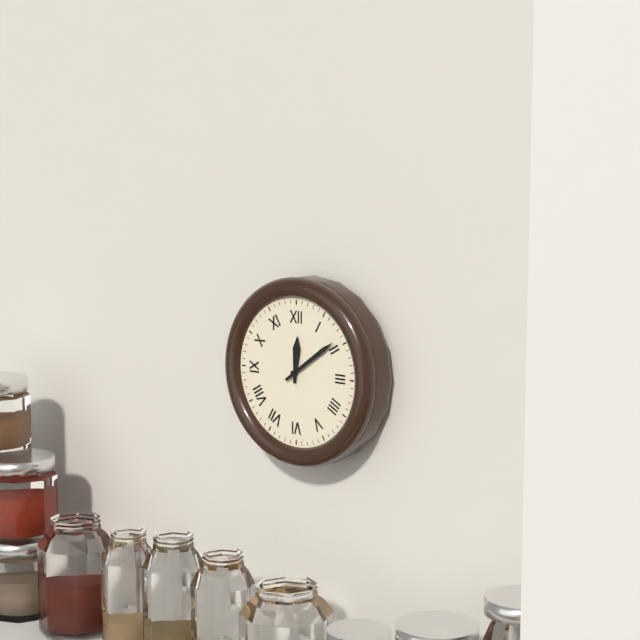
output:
12:09
